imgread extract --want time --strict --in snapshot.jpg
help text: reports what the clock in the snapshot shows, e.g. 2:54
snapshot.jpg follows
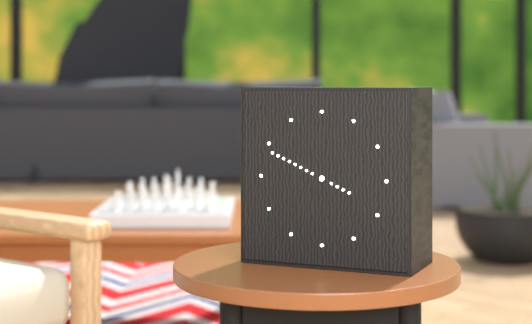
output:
3:49
